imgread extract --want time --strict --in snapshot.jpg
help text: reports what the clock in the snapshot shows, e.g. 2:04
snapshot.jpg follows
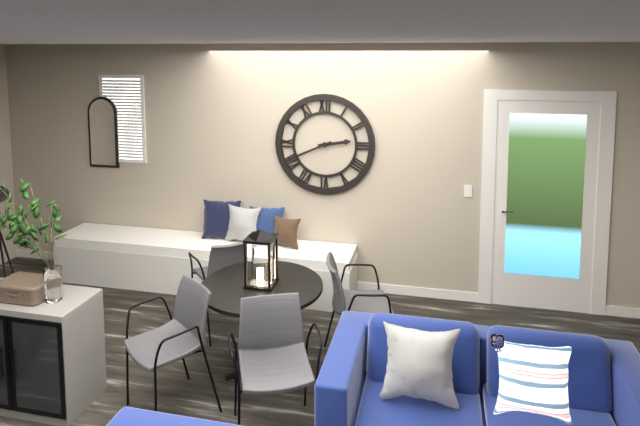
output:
2:41
